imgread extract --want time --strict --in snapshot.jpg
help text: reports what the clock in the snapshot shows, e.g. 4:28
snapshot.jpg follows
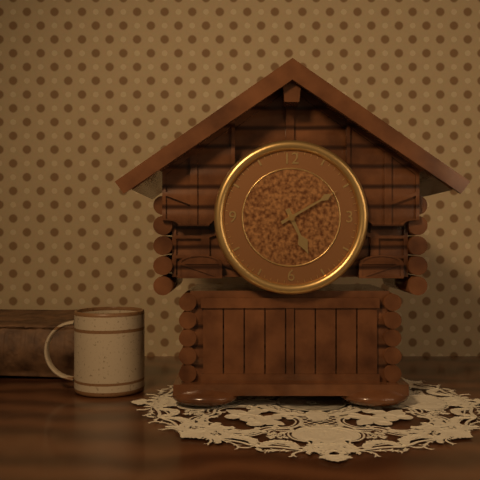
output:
5:10
